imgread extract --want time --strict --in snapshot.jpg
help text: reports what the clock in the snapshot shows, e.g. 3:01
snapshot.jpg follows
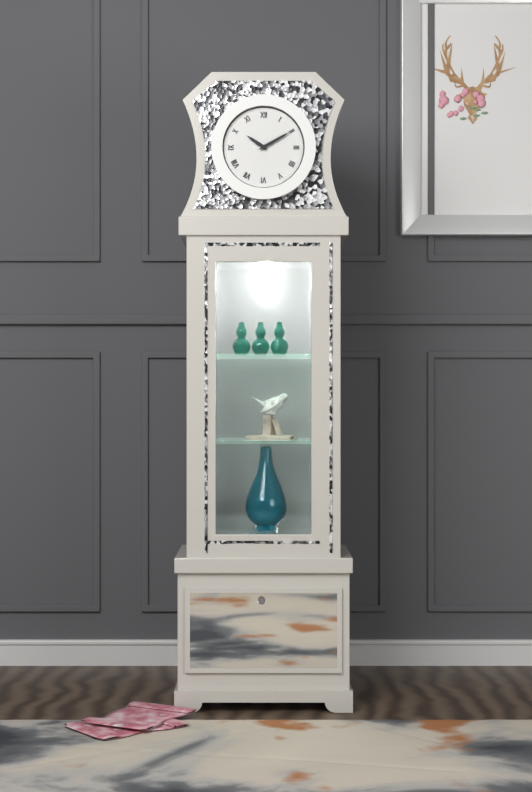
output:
10:10
